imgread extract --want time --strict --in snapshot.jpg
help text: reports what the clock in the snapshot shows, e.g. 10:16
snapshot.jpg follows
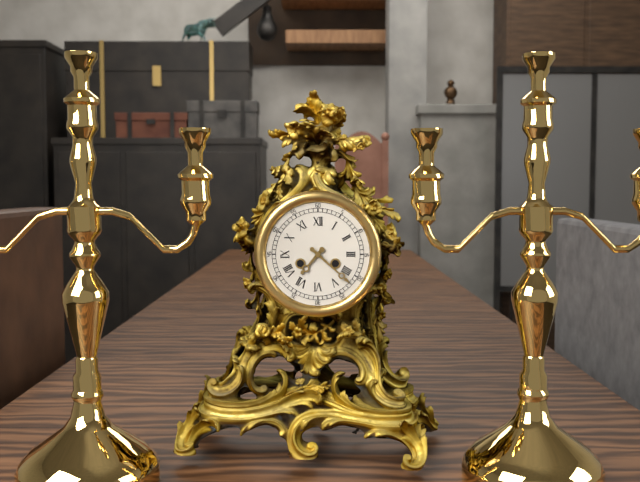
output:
7:22
